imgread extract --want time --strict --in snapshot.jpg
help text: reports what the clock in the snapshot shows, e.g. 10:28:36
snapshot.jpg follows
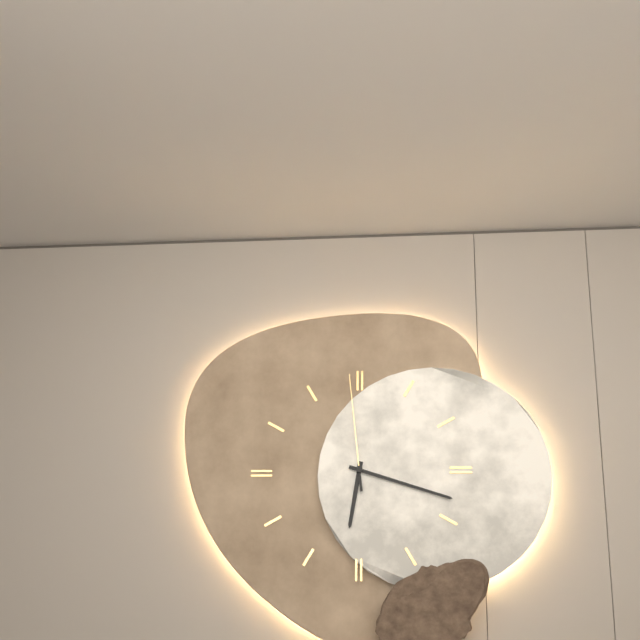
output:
6:18:59
